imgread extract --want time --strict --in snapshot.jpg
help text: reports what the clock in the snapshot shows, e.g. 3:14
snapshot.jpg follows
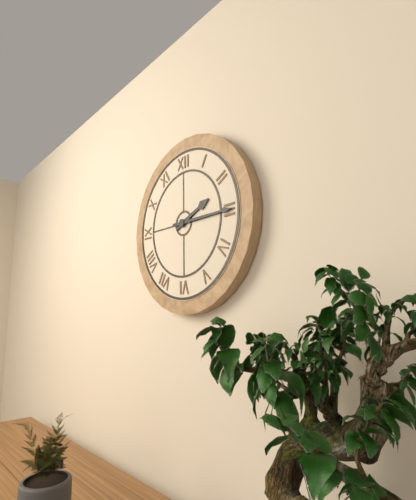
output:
2:15
